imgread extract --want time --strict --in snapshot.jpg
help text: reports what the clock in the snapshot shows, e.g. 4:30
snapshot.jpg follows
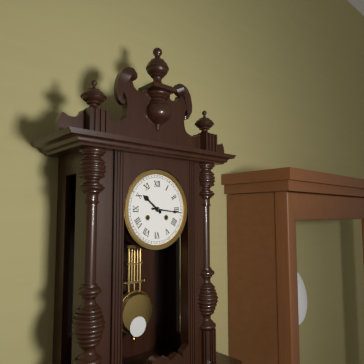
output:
10:16
